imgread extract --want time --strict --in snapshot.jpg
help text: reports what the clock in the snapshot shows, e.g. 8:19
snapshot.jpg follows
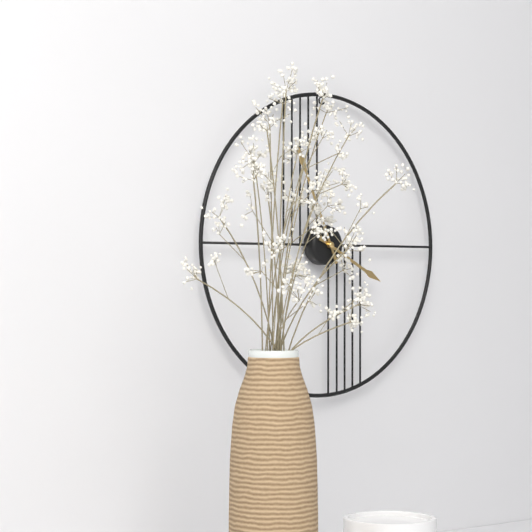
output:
3:56
